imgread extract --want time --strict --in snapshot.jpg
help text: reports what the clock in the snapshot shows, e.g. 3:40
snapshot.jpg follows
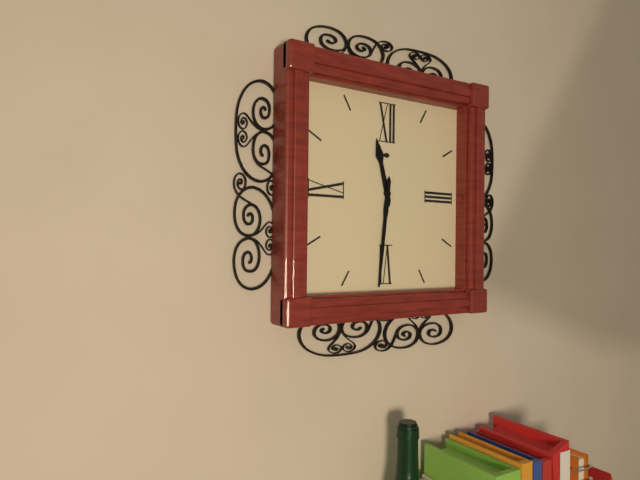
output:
11:31
